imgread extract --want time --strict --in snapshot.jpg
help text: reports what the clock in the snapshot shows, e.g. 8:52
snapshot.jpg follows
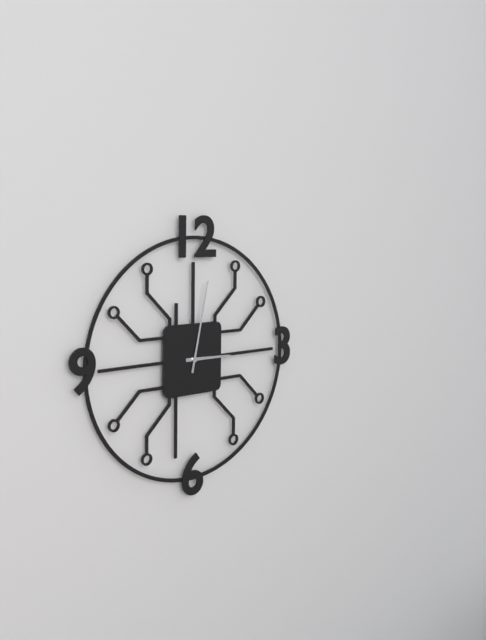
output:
3:02
